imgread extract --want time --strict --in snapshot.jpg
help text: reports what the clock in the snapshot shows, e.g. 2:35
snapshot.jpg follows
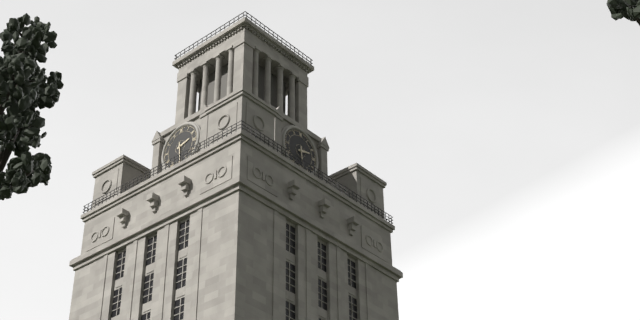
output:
2:29
